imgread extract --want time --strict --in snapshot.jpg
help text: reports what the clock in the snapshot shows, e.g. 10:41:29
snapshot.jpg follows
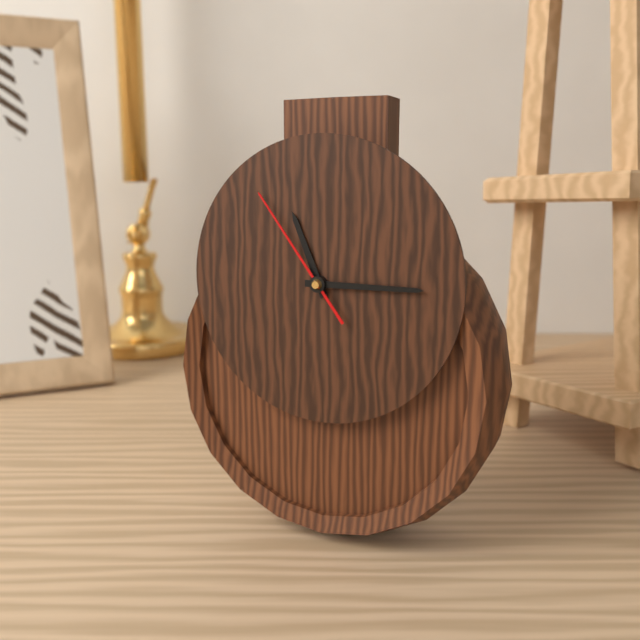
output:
11:15:54
